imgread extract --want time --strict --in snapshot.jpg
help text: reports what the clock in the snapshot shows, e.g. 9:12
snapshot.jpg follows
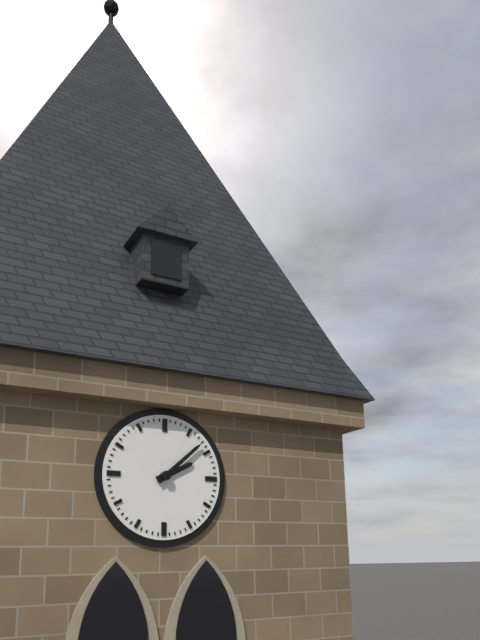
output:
2:08
